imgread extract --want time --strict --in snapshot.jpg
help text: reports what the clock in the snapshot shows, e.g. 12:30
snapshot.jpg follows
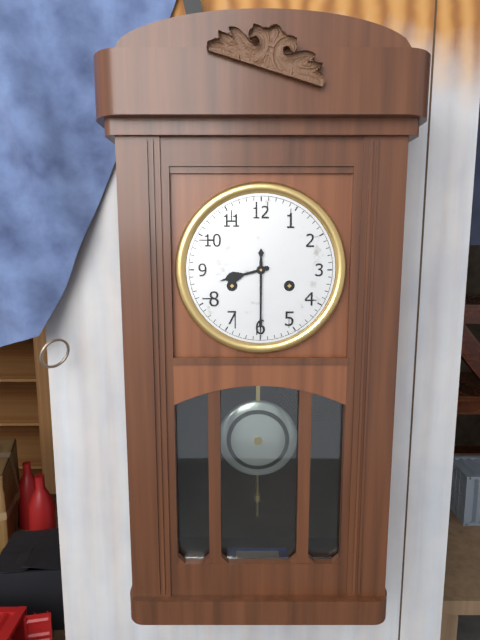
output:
8:30
